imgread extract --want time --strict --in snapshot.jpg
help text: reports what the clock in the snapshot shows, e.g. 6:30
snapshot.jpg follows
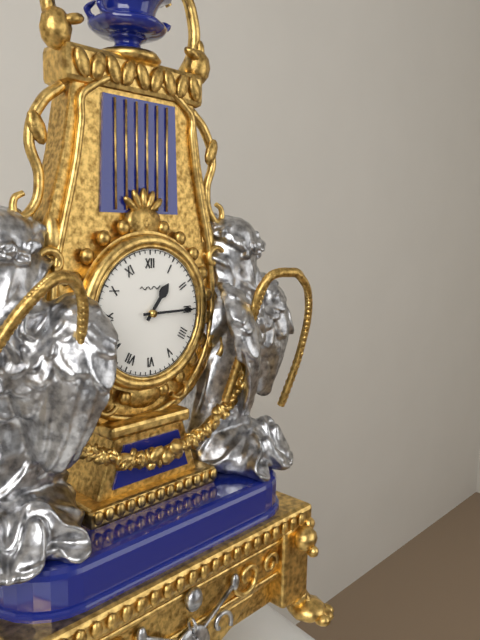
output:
1:15
